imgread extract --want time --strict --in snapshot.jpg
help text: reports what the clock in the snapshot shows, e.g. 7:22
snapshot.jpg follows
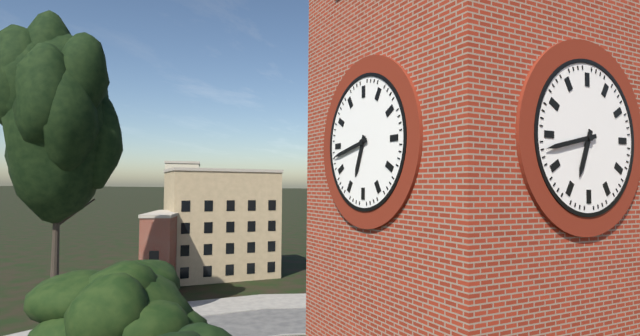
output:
6:43
